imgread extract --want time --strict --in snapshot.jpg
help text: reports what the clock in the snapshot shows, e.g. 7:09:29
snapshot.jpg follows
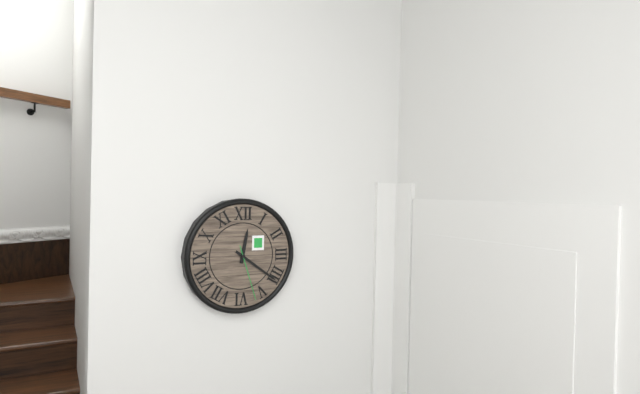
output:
12:21:27
